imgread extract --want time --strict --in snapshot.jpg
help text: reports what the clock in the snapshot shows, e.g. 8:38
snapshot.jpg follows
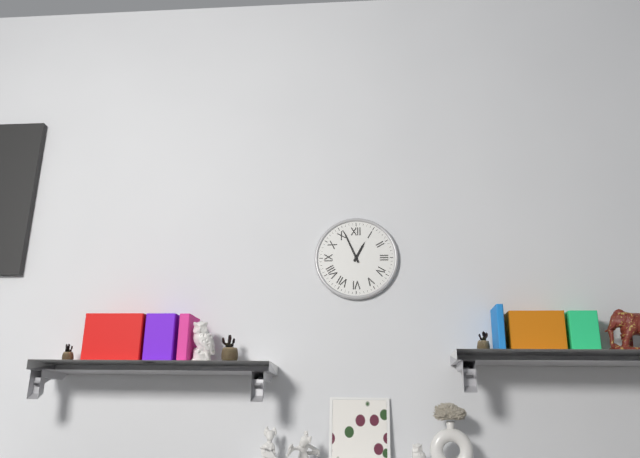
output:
12:56
